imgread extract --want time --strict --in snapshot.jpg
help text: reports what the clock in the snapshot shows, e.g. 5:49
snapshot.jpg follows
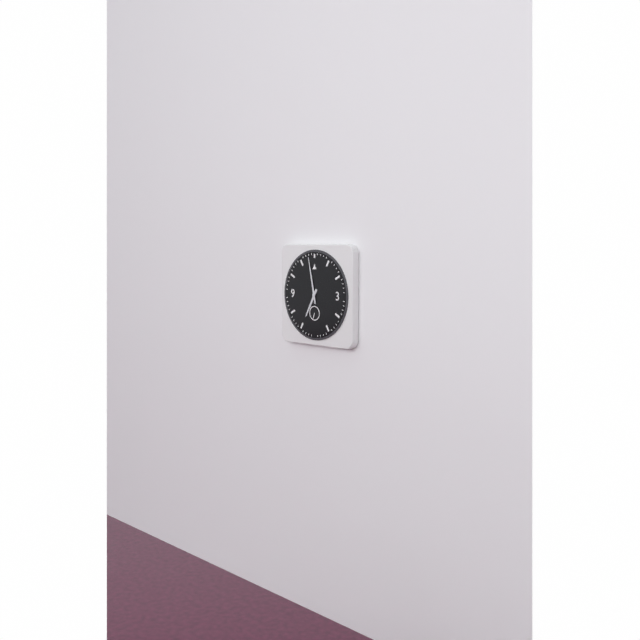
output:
6:58
